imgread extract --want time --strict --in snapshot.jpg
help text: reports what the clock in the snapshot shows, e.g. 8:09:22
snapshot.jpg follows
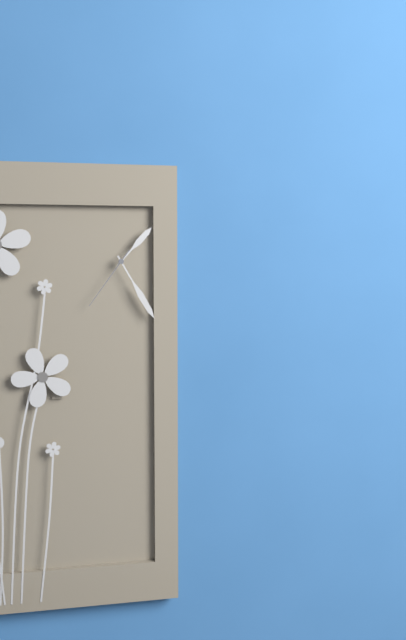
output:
1:25:36
